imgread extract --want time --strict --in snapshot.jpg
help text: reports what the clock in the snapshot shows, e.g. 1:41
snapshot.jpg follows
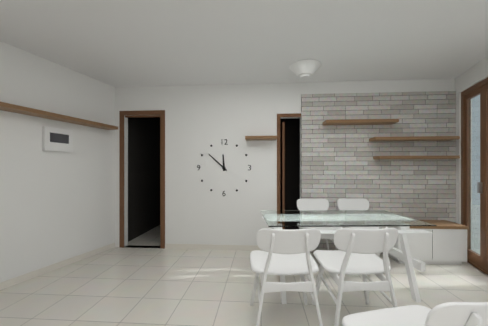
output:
11:52
